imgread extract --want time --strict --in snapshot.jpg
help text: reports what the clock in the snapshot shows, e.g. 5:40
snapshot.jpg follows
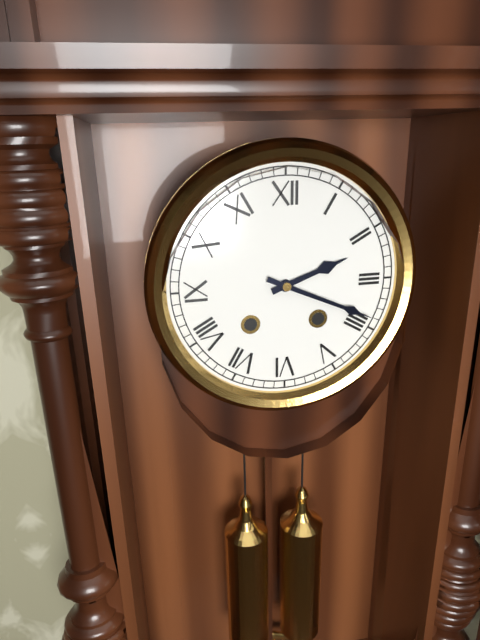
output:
2:19
